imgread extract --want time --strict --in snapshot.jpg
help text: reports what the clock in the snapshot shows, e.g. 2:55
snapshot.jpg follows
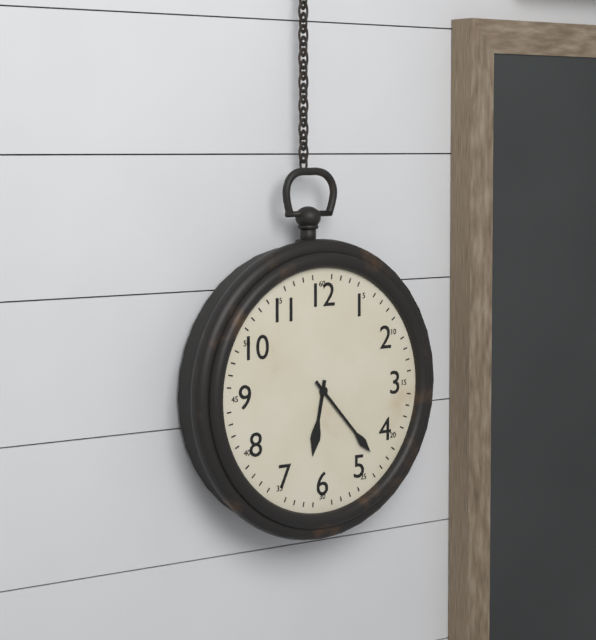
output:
6:23
